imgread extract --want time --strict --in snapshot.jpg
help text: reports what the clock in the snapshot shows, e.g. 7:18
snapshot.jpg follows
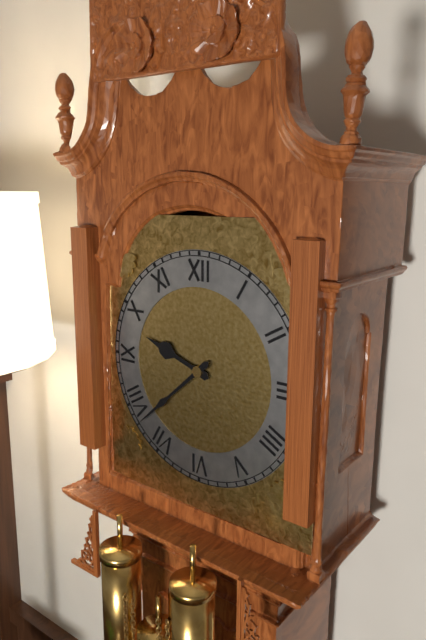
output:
9:38
